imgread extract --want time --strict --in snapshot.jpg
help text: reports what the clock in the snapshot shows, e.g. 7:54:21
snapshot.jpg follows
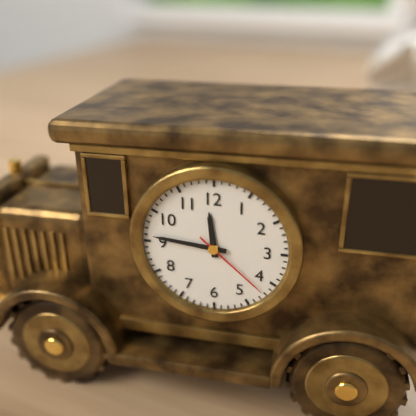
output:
11:46:22
